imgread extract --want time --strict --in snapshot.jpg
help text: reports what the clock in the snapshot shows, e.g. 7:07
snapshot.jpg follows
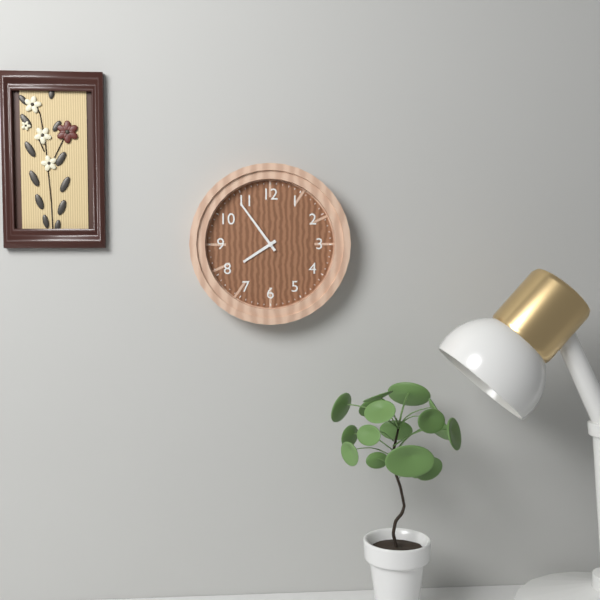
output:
7:54
